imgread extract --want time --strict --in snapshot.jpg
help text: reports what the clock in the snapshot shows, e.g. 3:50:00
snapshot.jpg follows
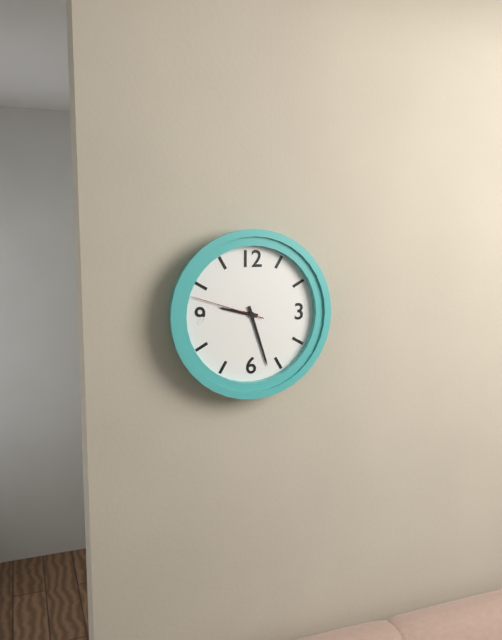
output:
9:27:48
